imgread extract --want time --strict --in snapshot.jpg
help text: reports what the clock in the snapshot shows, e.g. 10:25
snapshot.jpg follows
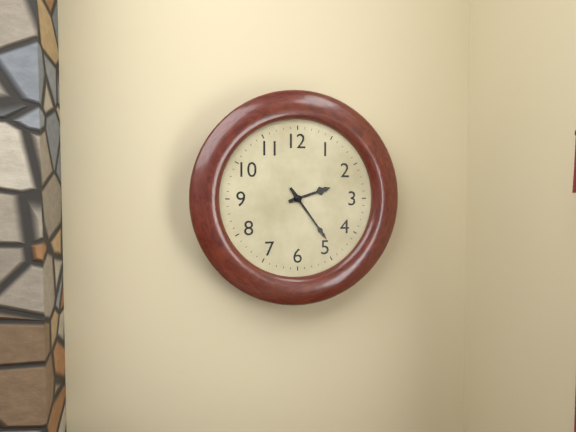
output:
2:24
